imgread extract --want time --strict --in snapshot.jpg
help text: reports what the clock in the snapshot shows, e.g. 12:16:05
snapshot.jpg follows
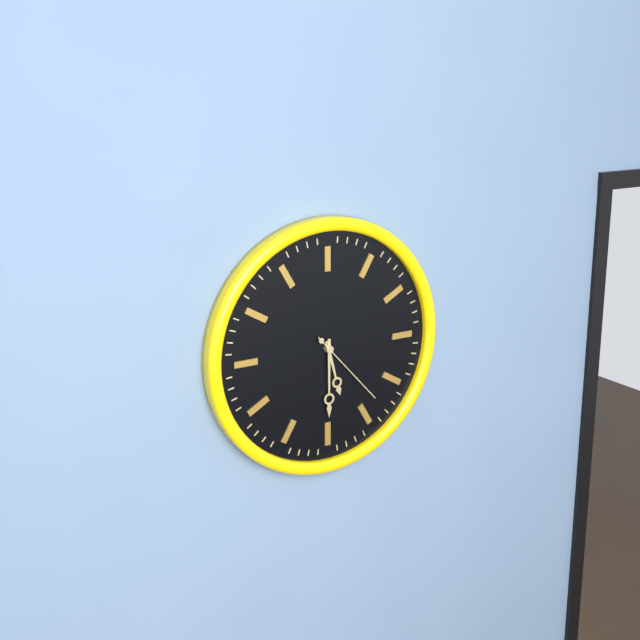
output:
5:30:23
